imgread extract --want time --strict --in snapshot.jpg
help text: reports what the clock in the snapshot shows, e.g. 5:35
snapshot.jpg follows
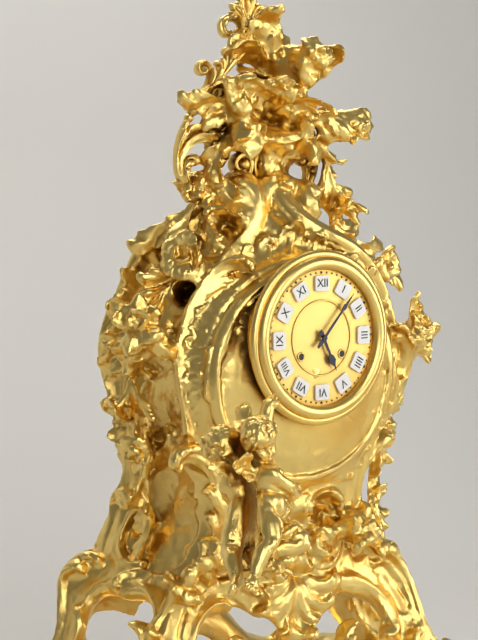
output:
5:07
